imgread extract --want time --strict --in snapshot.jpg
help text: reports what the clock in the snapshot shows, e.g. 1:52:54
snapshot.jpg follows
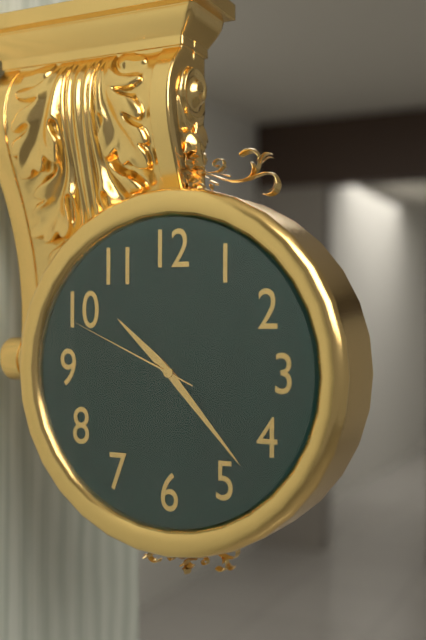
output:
10:23:49
